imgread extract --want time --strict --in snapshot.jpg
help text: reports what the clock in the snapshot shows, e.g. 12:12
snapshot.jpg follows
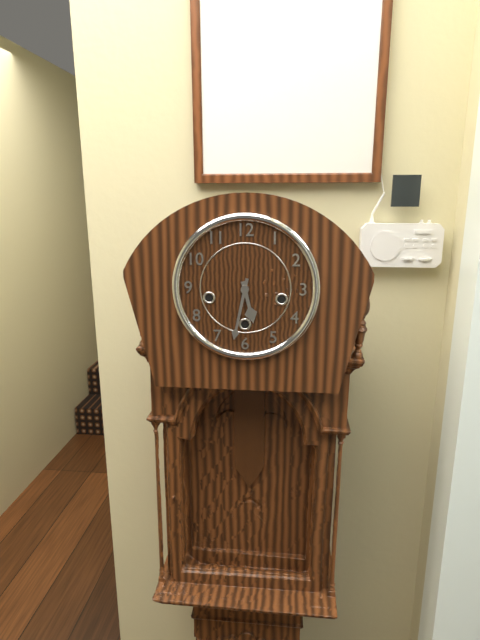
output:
5:32
